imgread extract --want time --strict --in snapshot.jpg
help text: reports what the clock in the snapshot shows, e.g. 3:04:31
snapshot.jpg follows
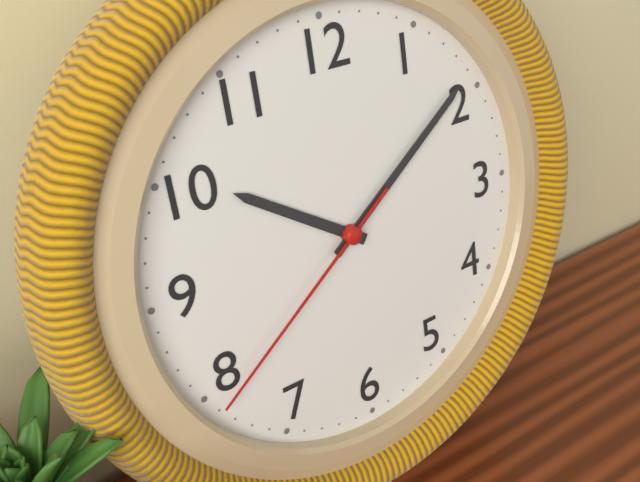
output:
10:09:39
